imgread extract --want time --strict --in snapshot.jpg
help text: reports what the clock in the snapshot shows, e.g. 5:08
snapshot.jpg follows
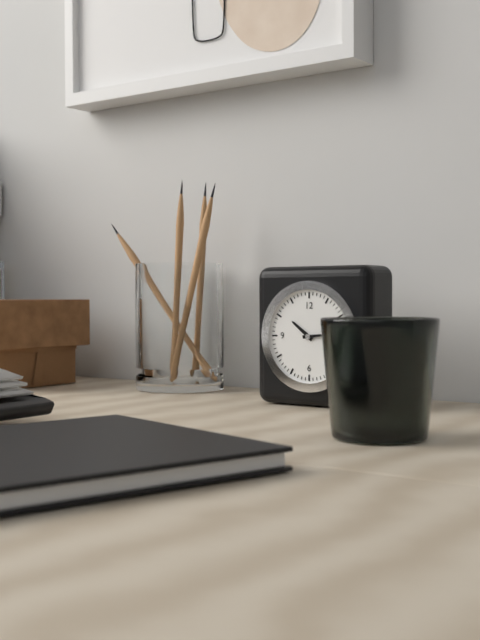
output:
10:14
